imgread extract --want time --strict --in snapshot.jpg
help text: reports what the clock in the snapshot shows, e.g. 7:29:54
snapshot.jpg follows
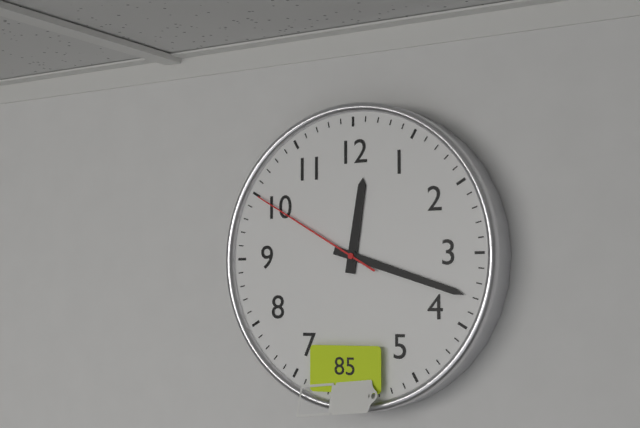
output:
12:18:50
